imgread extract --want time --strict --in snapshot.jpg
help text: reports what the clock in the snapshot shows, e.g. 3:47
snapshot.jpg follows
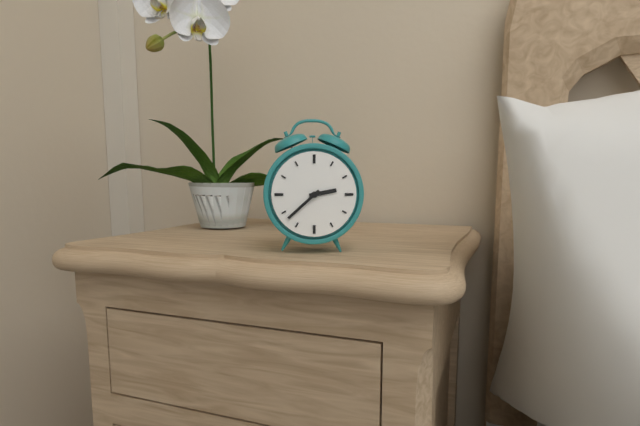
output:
2:38
